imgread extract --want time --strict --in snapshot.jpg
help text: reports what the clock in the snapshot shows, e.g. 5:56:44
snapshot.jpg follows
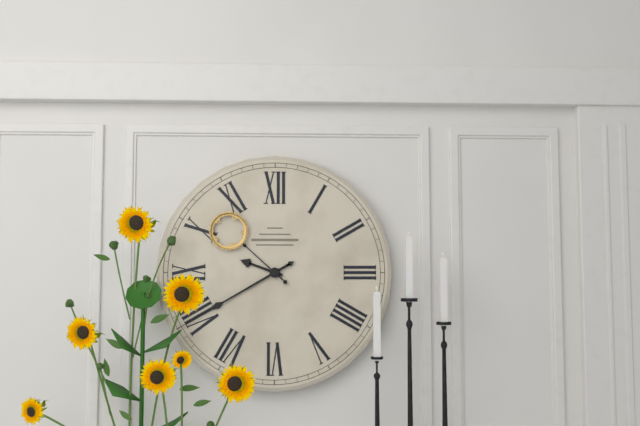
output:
9:40:52
